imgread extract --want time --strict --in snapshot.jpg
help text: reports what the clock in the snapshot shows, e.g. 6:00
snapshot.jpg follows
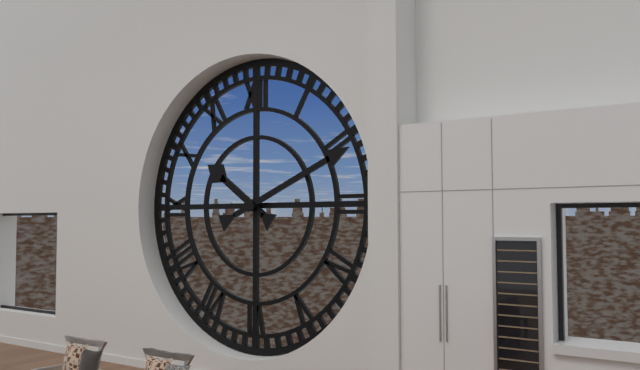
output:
10:11
